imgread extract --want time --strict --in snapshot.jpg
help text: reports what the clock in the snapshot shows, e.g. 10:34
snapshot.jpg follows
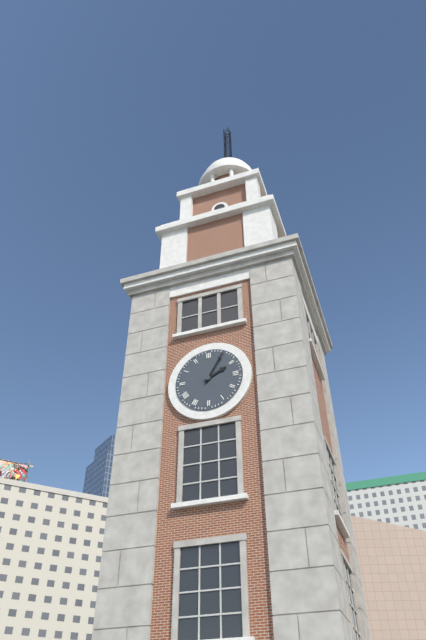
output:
2:05
